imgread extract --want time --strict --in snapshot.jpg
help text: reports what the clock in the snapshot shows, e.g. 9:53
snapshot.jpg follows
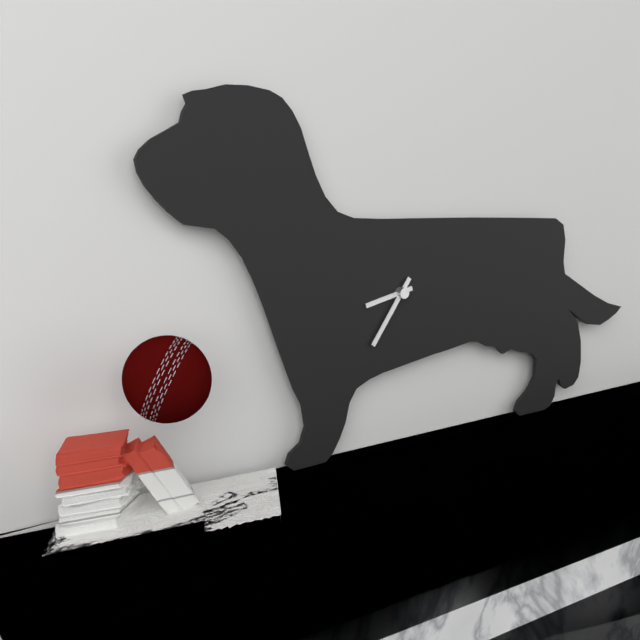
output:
8:36
